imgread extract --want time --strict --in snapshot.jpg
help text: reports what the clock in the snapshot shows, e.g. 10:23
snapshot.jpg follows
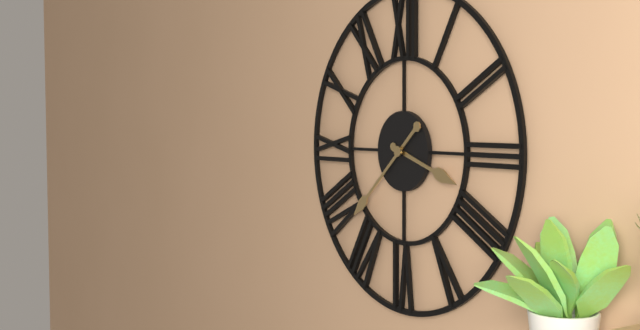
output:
3:38
